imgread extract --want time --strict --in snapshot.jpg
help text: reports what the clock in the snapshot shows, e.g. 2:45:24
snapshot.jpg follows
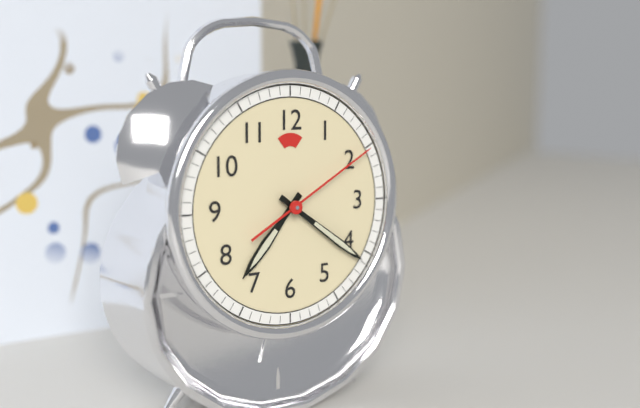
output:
7:21:10
